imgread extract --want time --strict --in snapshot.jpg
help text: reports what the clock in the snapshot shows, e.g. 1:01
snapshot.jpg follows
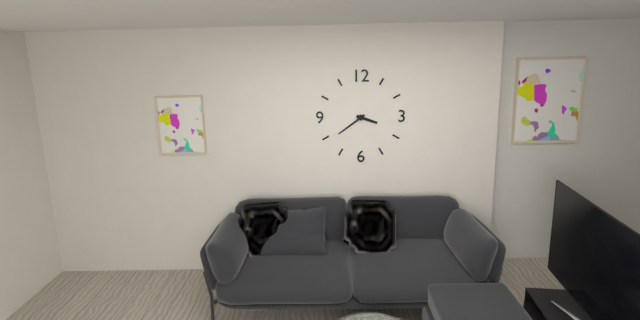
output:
3:39
